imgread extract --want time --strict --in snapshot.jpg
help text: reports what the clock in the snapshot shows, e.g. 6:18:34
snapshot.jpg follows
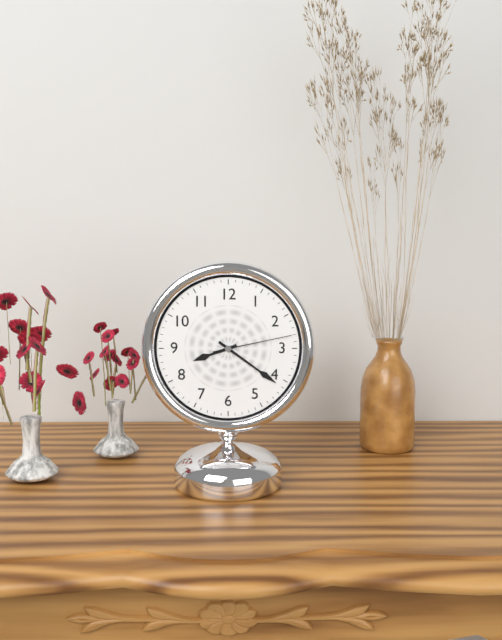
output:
8:21:13
